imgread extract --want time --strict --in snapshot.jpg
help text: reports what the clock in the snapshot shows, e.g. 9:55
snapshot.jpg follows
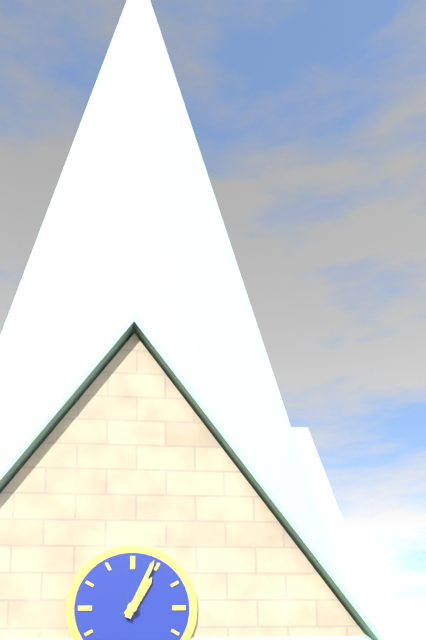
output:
1:04
